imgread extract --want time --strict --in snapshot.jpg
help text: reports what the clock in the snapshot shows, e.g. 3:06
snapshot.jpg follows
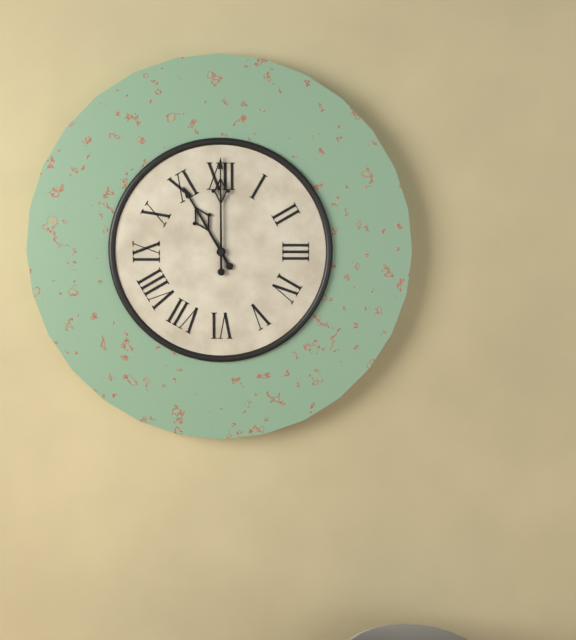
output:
11:00
